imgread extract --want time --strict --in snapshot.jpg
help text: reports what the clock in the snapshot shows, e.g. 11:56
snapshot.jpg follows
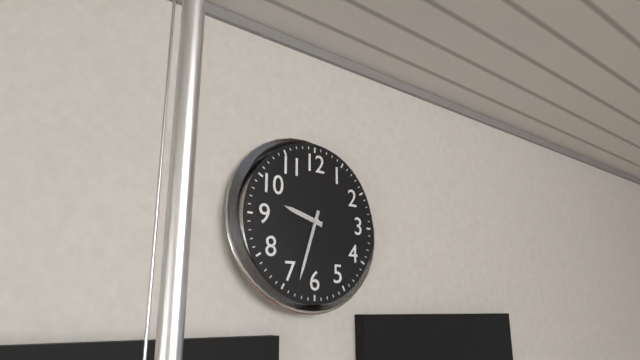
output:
9:33
